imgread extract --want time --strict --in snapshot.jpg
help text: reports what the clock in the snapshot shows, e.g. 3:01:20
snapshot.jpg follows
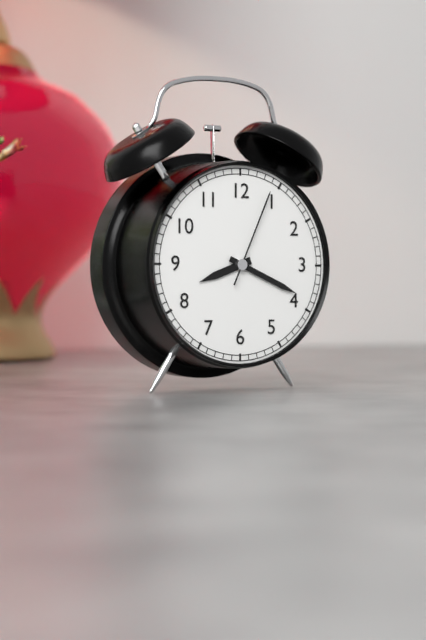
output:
8:19:04
